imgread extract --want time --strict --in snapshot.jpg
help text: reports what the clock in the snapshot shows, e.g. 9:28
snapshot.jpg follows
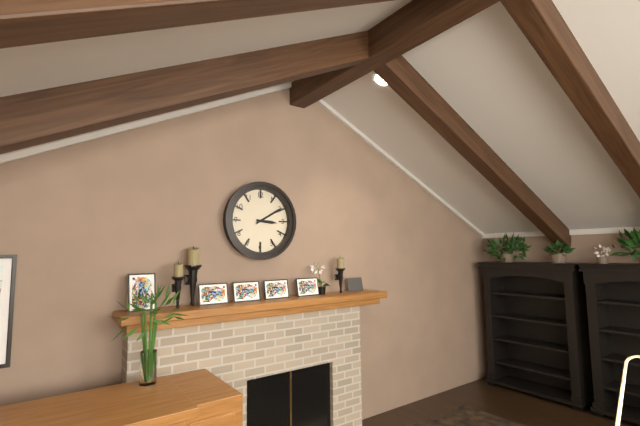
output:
3:10
